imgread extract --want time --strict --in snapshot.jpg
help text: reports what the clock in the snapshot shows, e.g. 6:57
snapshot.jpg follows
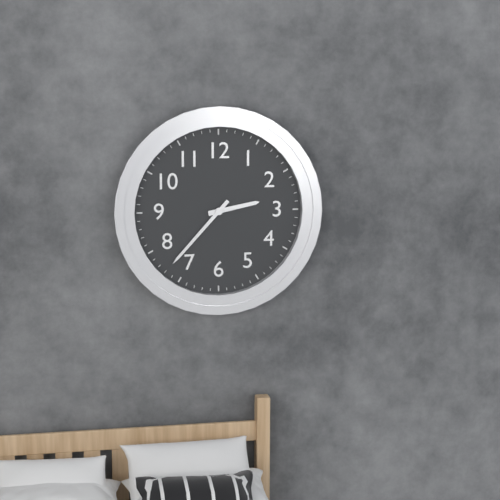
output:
2:37
